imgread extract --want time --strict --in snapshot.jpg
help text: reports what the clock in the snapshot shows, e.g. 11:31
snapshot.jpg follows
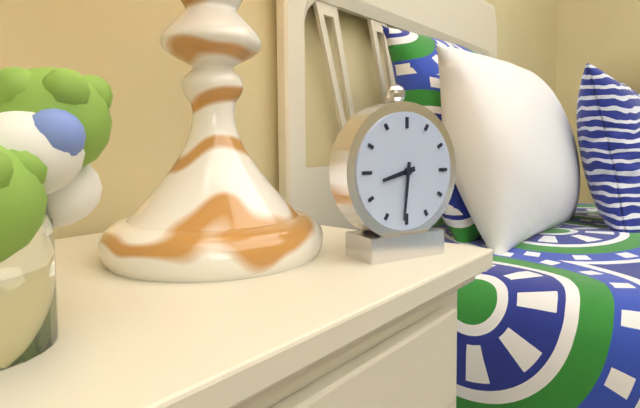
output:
8:31
